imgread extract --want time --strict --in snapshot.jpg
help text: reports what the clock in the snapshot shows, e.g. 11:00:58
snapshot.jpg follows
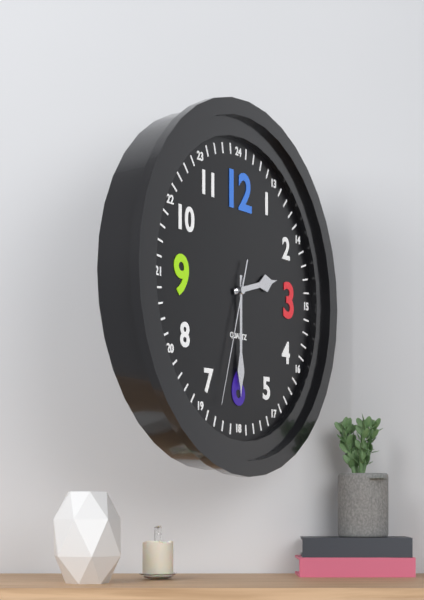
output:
2:30:33
